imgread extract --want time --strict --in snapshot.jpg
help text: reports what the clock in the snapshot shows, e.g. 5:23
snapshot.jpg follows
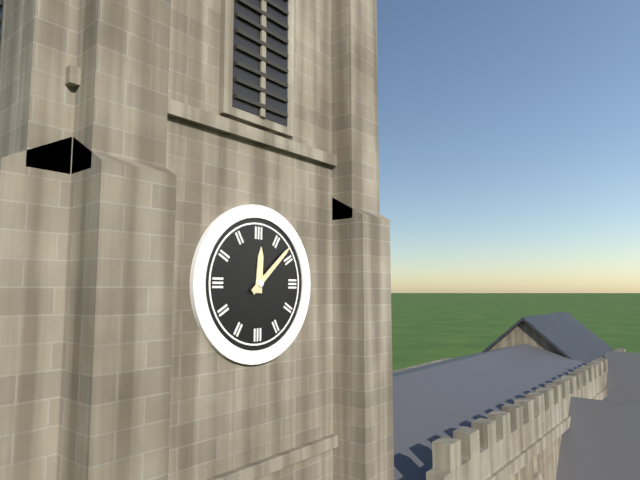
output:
12:08
